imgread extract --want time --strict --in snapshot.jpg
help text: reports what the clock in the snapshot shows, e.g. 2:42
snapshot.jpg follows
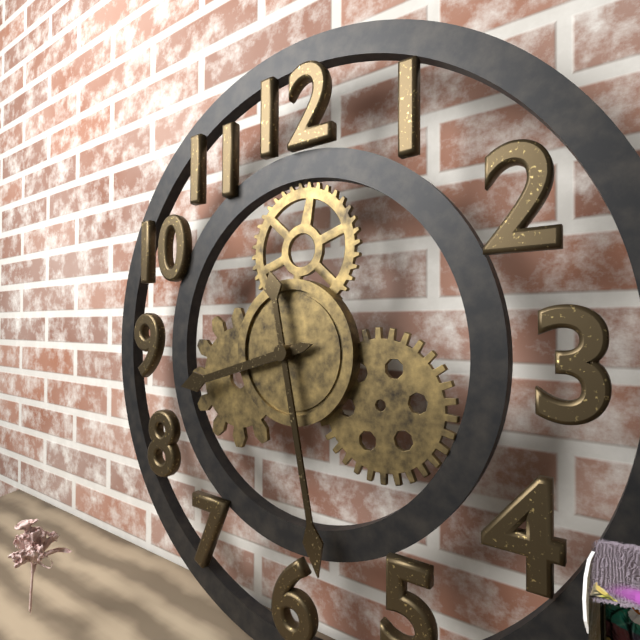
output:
8:28
